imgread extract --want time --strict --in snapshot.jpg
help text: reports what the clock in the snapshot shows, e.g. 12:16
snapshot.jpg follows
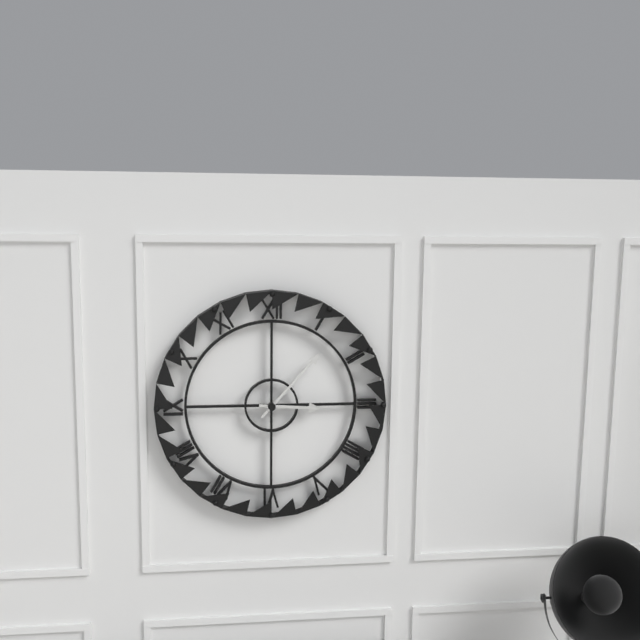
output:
3:07
